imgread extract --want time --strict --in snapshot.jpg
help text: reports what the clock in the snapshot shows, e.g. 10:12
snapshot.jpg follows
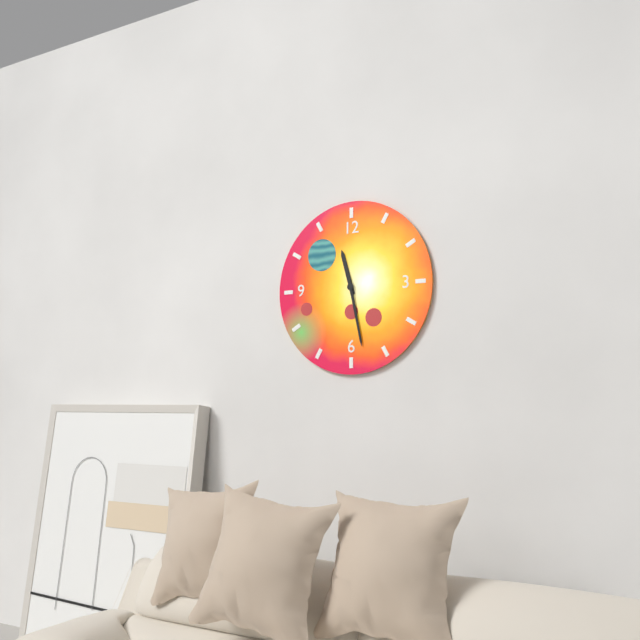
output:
11:28
